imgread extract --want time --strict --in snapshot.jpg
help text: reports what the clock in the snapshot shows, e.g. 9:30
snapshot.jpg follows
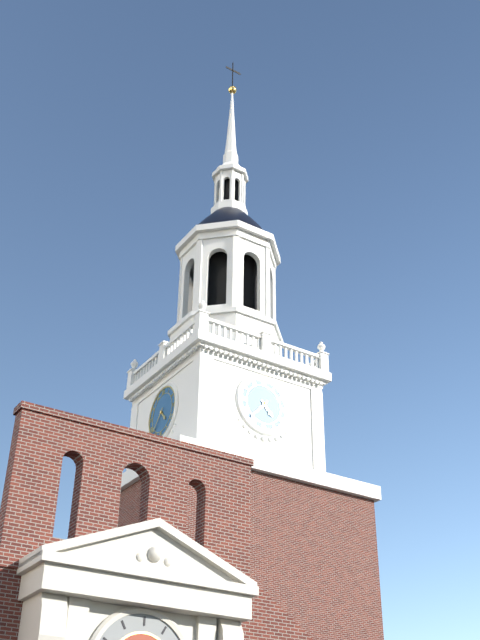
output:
4:37
